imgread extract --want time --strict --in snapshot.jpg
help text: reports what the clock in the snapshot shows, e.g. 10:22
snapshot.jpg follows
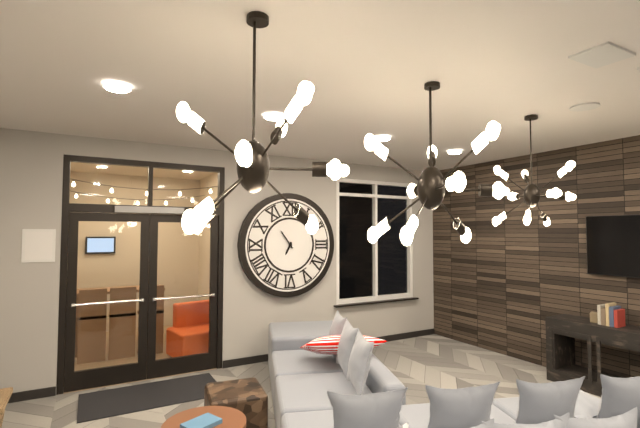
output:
6:54
